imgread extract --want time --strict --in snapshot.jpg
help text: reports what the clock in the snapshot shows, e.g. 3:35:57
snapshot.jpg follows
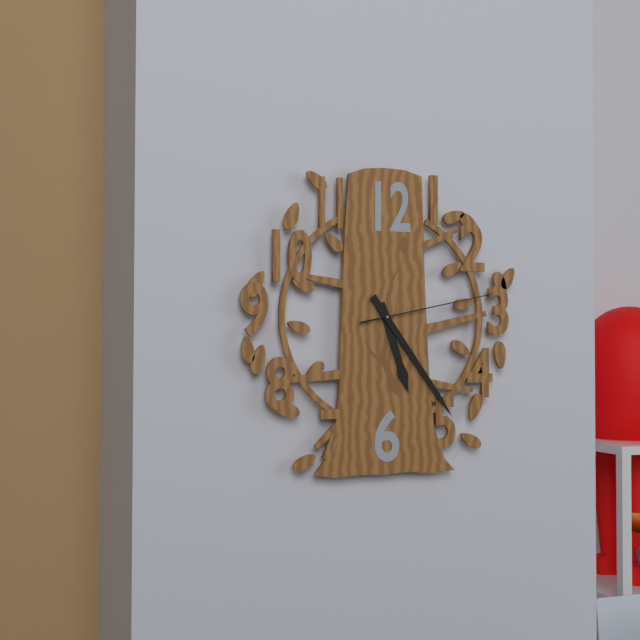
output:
5:24:13
